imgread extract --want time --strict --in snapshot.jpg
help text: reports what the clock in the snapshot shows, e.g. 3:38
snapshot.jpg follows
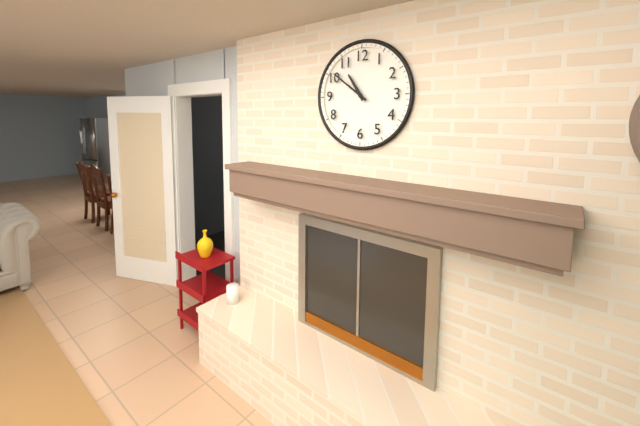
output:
10:51
